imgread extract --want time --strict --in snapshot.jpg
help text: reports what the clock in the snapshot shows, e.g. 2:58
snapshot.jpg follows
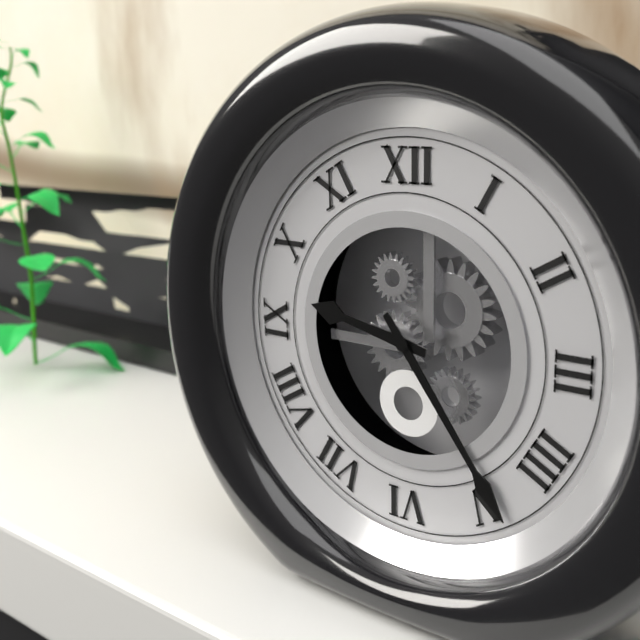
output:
9:24
